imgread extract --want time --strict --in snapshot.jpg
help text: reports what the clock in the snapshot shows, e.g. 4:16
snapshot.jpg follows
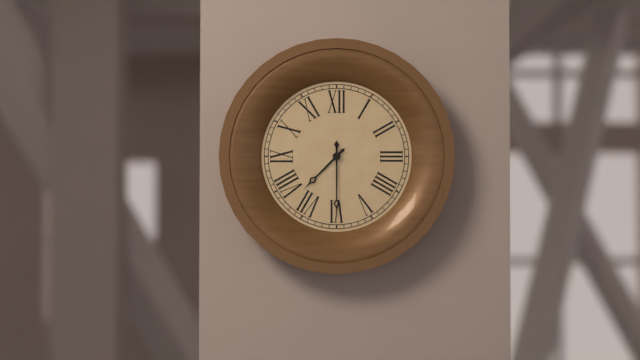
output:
7:30
